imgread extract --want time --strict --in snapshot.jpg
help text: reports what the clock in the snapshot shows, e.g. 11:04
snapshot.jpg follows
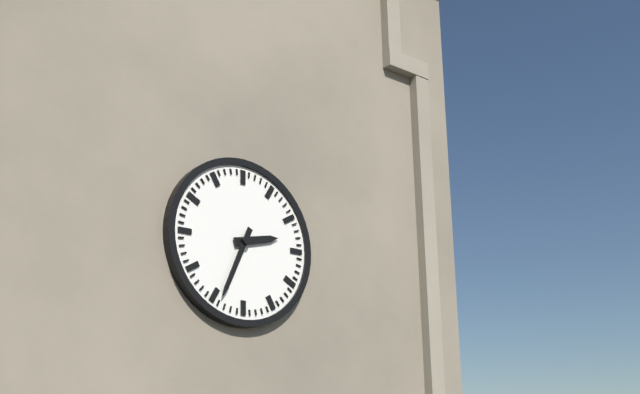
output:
2:34
